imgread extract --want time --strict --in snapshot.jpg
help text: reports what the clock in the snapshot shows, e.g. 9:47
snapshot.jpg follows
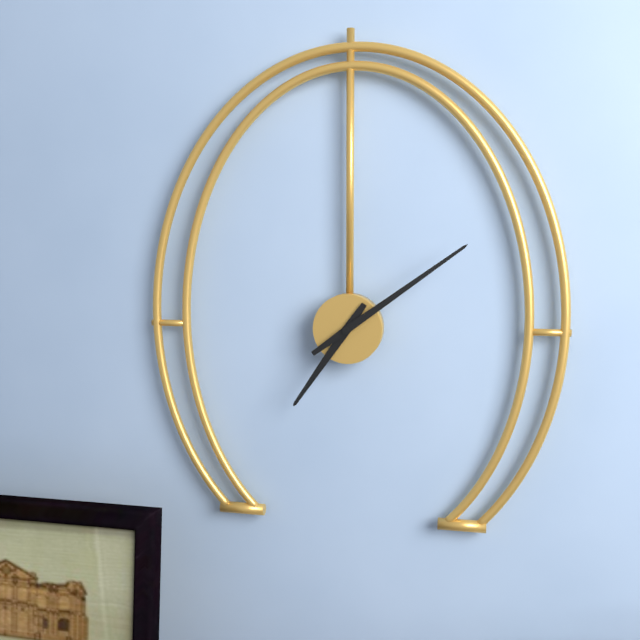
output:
7:09
